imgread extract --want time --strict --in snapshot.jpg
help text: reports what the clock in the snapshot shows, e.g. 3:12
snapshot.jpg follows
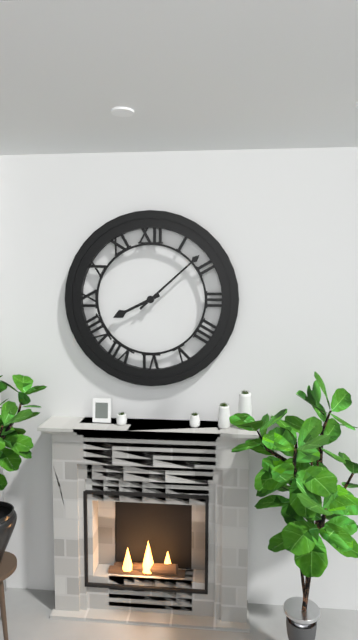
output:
8:08
